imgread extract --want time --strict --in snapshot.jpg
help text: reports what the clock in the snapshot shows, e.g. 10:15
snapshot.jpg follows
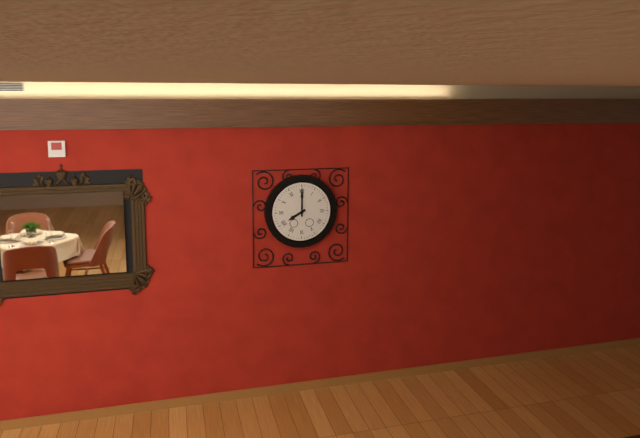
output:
8:00
